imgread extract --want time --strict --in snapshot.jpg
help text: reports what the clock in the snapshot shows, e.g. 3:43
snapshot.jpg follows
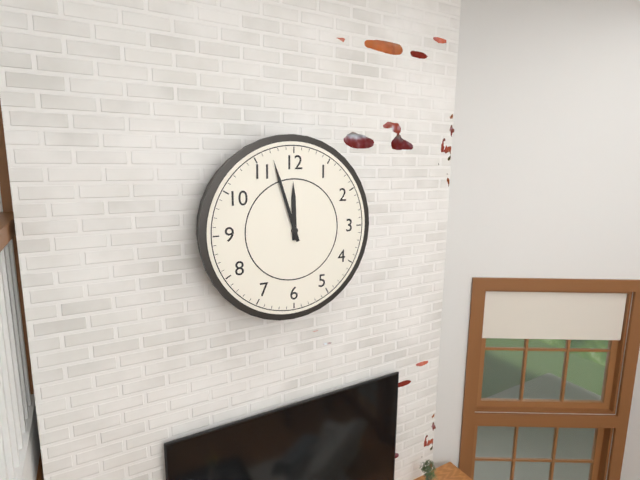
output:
11:57
